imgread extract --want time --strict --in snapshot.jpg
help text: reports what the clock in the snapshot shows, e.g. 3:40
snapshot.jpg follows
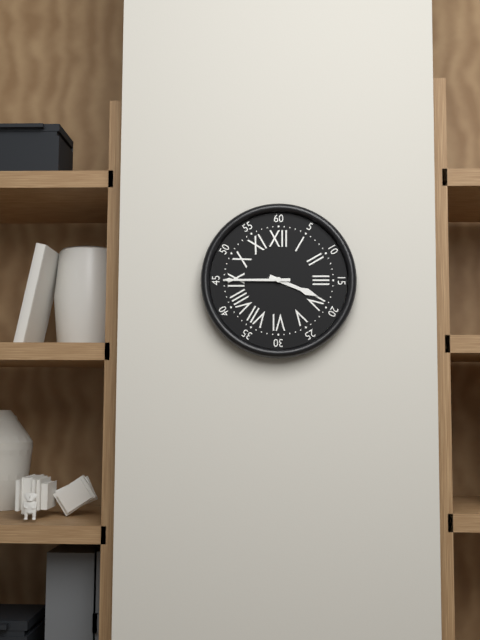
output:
3:45
